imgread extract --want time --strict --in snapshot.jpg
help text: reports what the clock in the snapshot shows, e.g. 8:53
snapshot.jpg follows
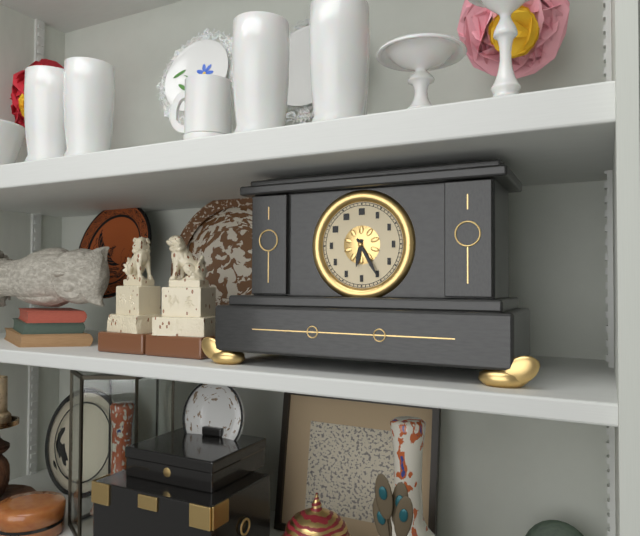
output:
6:25
